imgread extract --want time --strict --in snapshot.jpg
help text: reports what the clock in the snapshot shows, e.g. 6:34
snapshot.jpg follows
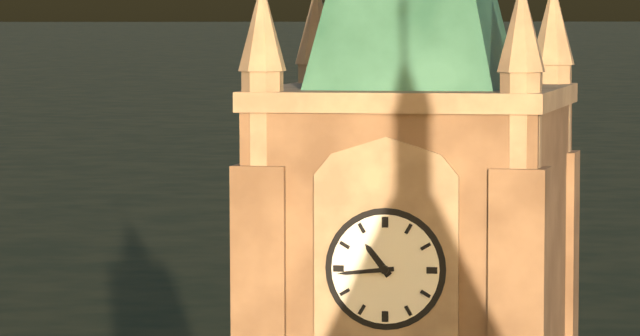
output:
10:44
